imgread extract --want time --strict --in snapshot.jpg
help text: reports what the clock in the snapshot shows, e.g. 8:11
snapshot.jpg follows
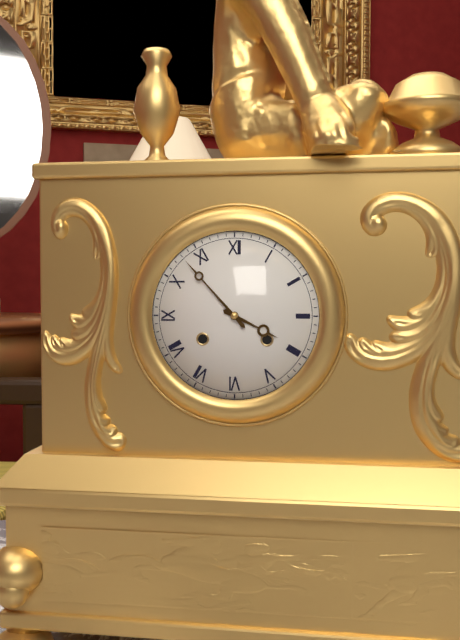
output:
3:53
